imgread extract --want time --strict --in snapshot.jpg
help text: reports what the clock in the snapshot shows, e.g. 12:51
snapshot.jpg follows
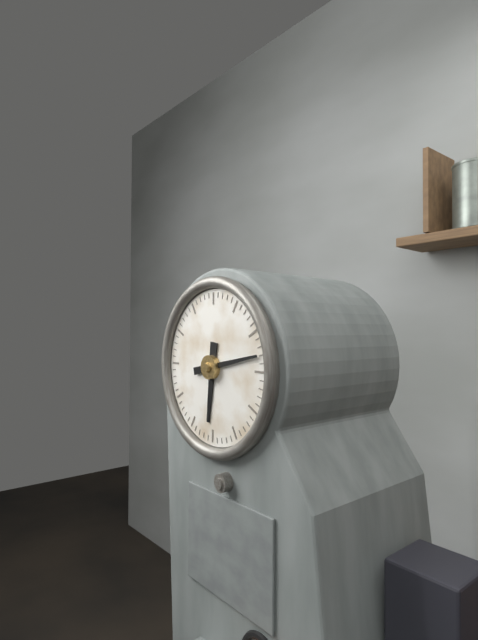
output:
6:13
